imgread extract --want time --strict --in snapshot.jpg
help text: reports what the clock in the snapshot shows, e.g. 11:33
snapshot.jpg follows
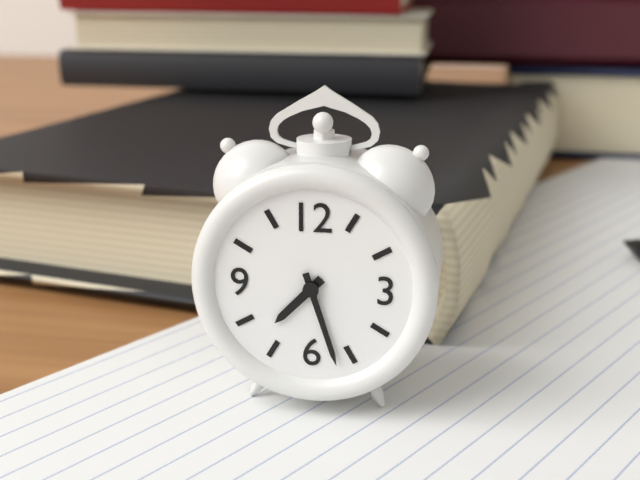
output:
7:27
